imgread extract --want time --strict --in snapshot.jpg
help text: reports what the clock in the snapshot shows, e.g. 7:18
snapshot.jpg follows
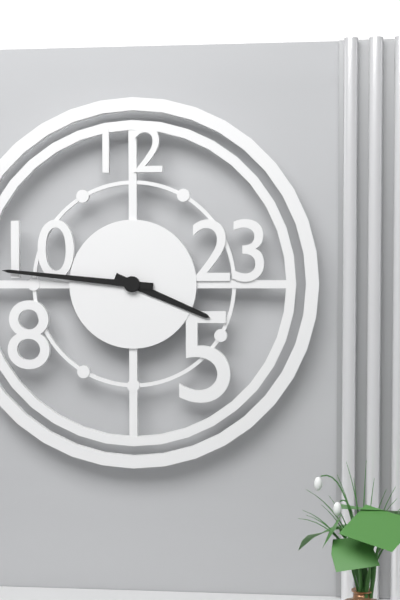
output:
3:46
